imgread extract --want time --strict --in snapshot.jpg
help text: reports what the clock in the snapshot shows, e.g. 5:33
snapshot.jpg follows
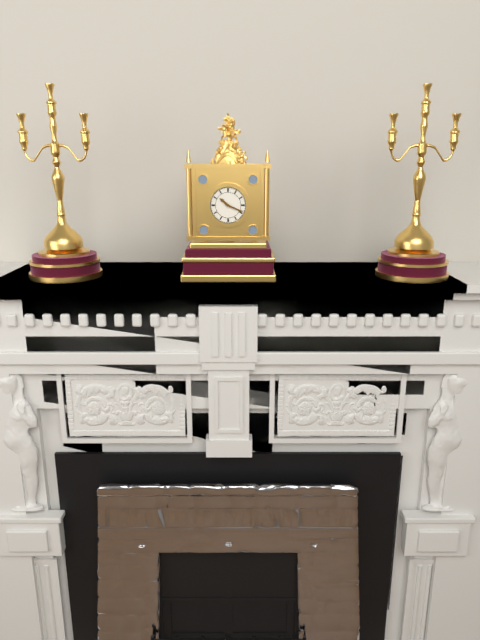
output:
10:19
